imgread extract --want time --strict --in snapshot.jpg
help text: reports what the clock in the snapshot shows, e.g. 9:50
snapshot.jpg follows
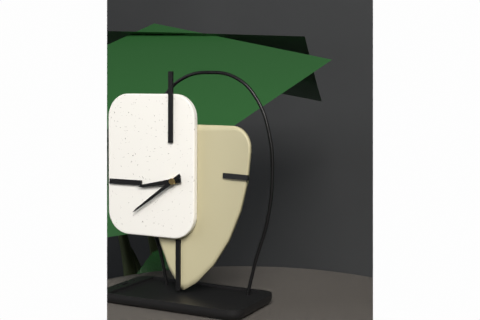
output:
8:39
